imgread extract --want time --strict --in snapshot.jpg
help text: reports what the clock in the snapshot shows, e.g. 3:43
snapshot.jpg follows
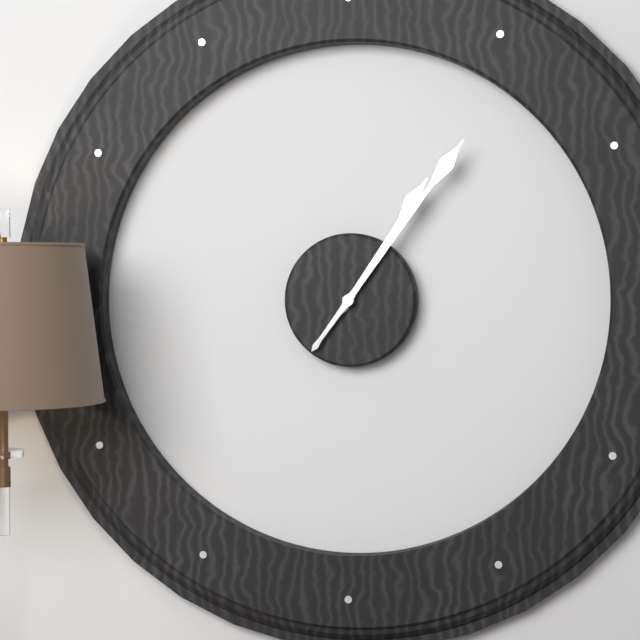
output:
1:06
